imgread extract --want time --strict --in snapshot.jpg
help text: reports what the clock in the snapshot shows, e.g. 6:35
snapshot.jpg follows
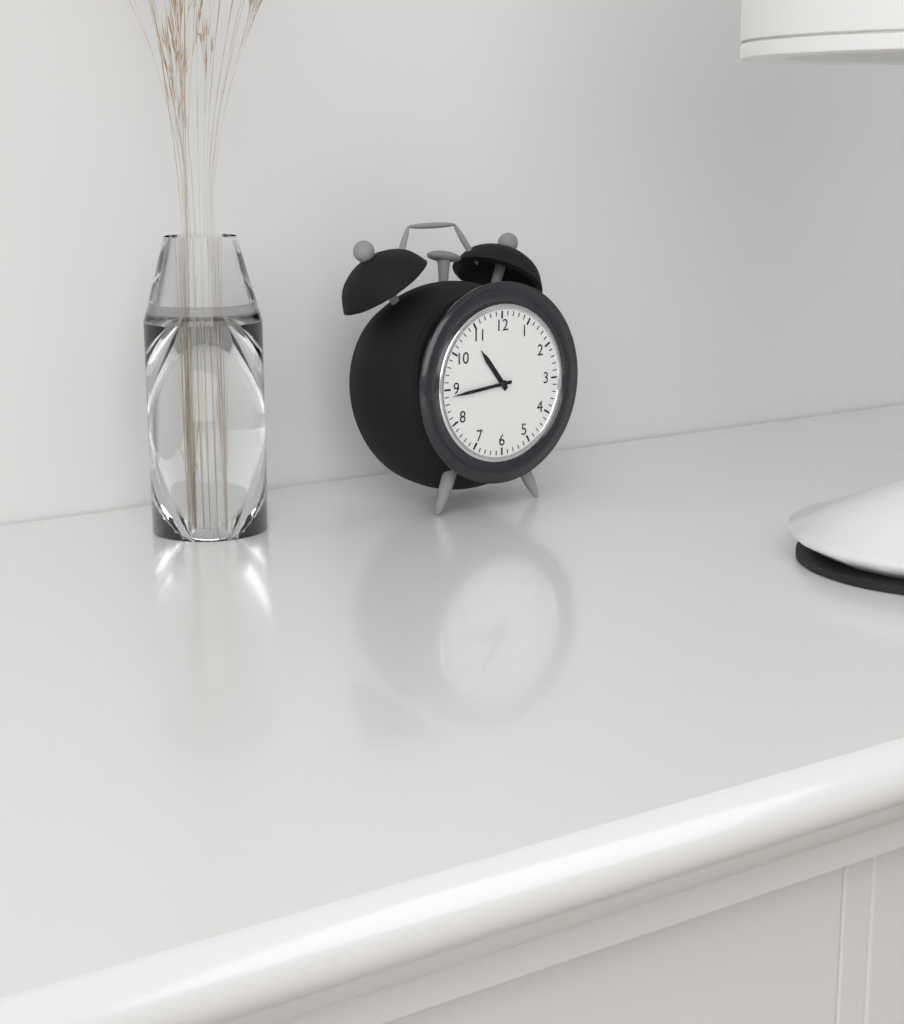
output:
10:44
